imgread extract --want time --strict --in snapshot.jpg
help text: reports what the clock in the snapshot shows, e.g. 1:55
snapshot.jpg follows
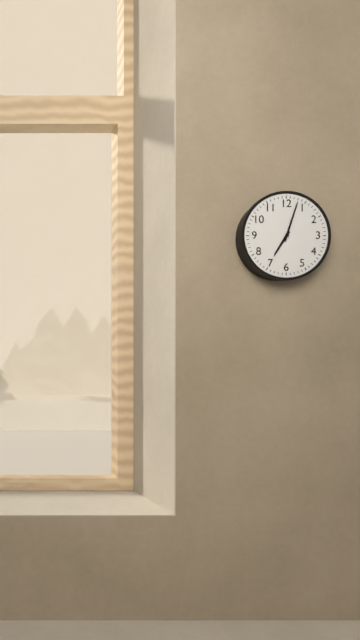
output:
7:03
